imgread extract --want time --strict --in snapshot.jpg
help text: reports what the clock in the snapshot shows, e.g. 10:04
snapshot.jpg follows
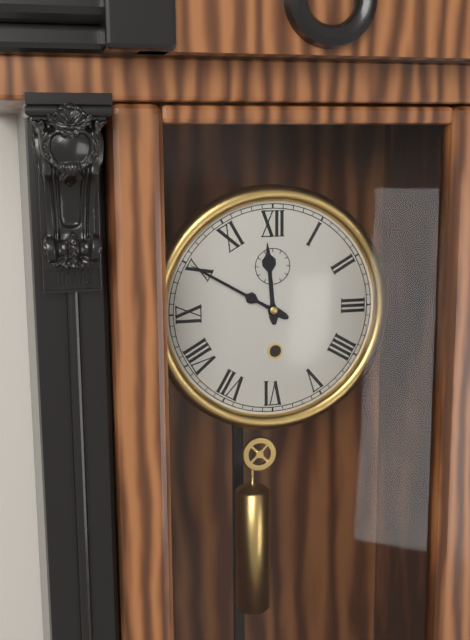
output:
11:50
